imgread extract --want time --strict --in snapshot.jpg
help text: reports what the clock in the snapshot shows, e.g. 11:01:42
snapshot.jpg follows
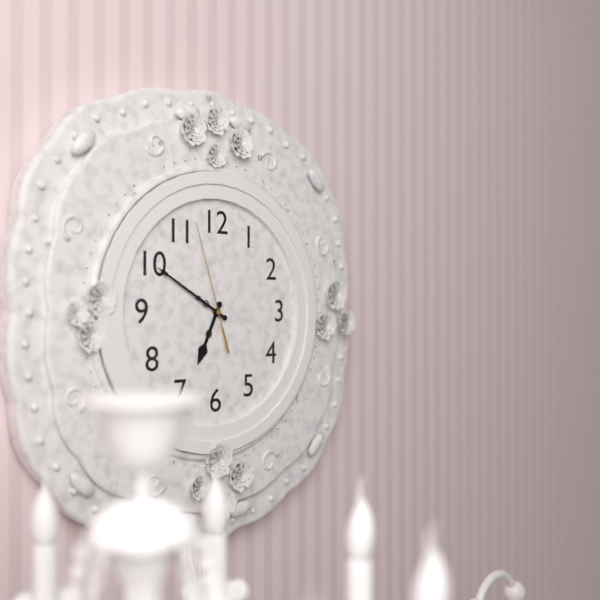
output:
6:50:57
